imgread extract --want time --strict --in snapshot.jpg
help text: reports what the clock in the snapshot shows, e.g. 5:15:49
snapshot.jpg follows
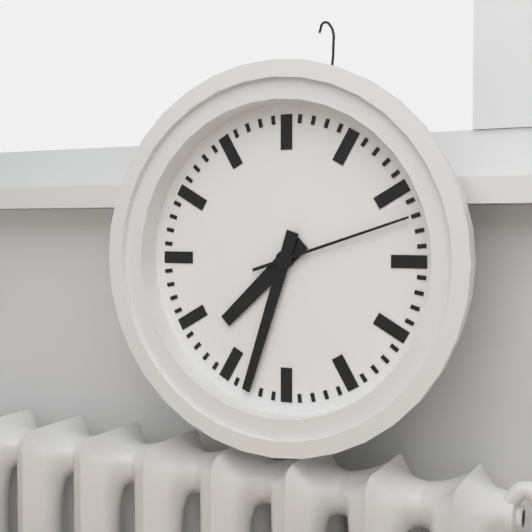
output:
7:33:12
